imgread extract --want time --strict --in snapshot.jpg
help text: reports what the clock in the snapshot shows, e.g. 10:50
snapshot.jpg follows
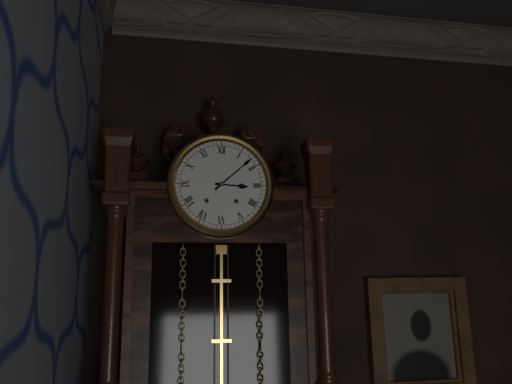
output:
3:08
